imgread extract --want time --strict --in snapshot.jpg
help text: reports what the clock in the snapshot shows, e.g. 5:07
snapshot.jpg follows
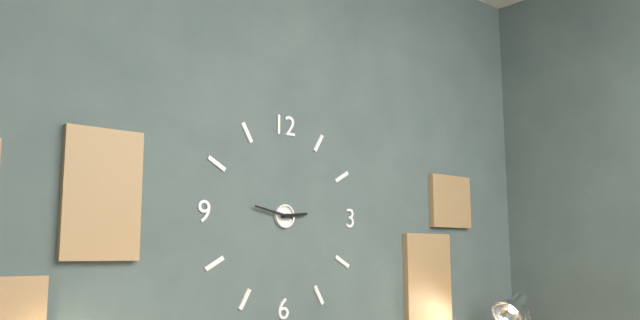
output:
2:47
